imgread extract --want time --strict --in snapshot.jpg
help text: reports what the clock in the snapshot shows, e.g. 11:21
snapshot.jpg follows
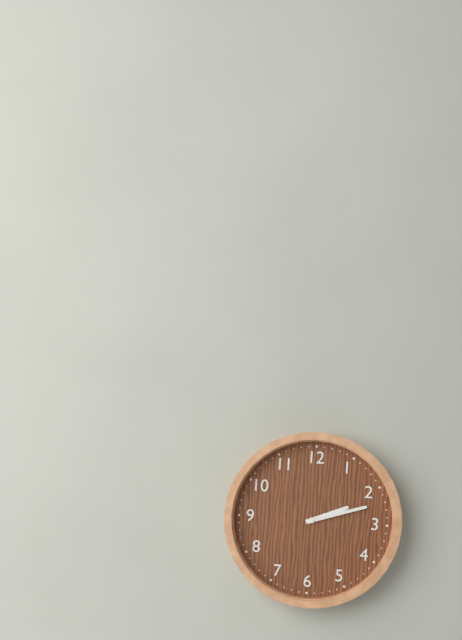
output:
2:12
